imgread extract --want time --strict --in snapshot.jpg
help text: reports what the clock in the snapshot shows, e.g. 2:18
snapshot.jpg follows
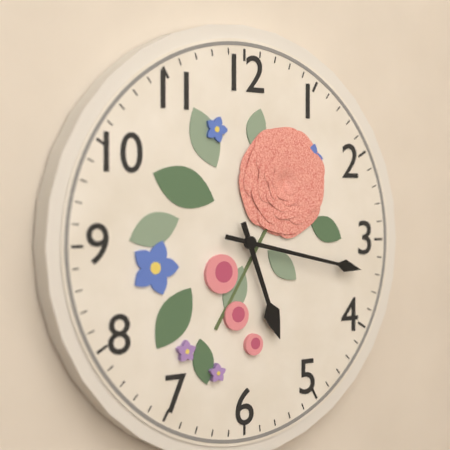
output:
5:17
